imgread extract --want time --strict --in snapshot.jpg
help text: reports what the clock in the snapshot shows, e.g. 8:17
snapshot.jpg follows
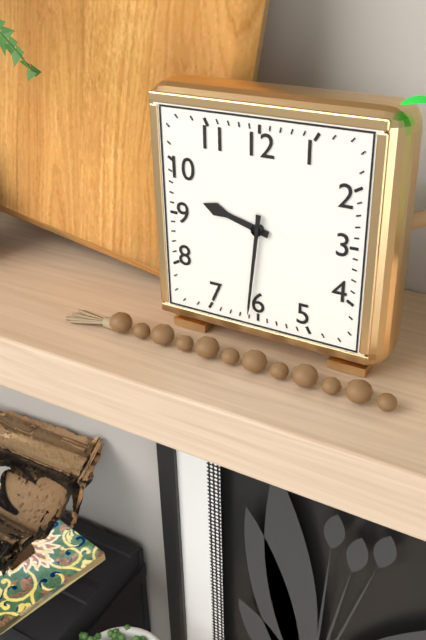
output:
9:31
